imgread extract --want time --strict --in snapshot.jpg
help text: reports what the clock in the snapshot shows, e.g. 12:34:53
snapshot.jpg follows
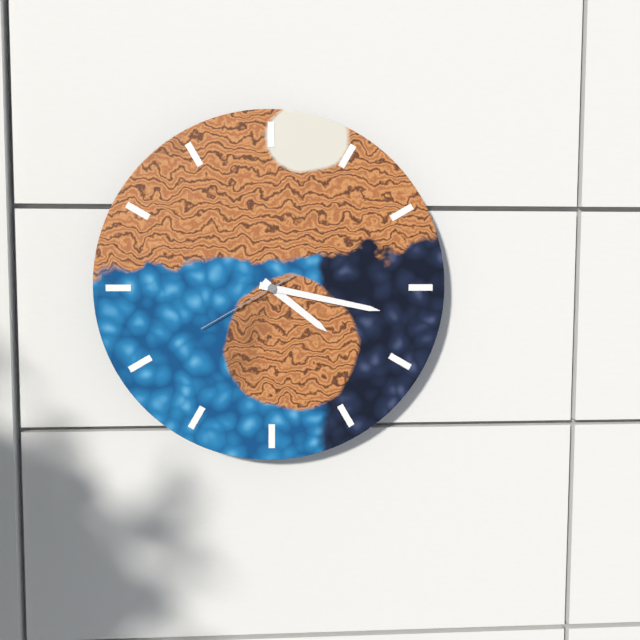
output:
4:17:40
